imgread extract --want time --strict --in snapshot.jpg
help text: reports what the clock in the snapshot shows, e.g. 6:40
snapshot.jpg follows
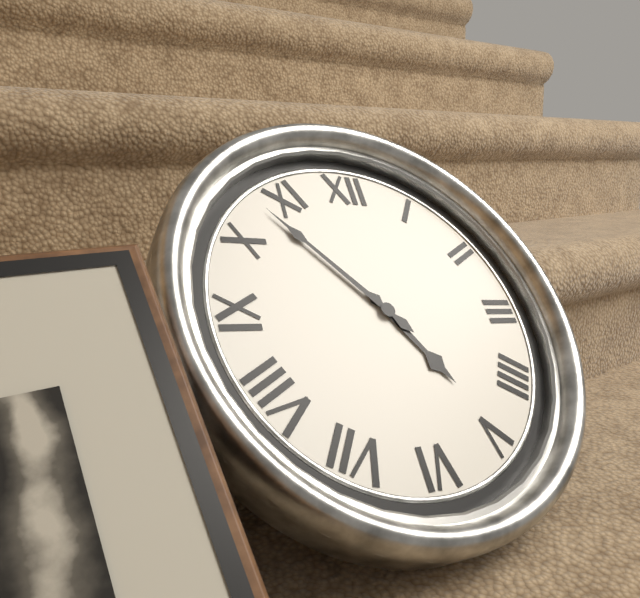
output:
4:53
